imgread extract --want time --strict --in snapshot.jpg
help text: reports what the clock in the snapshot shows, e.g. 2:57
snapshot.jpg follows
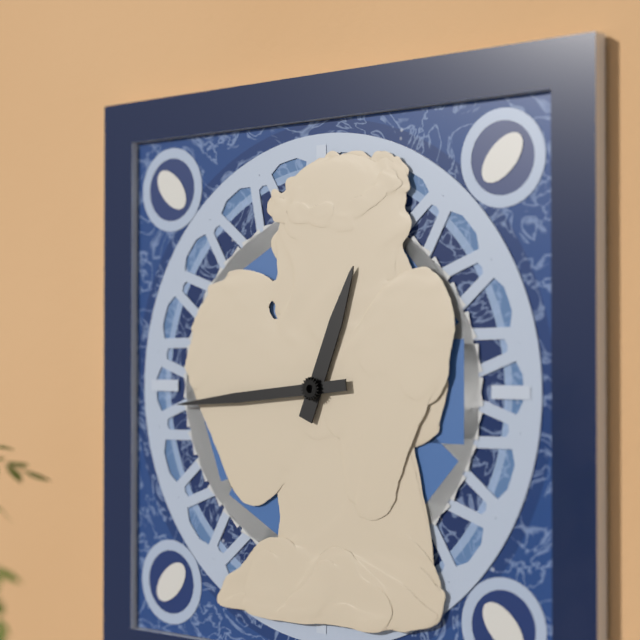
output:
12:44
